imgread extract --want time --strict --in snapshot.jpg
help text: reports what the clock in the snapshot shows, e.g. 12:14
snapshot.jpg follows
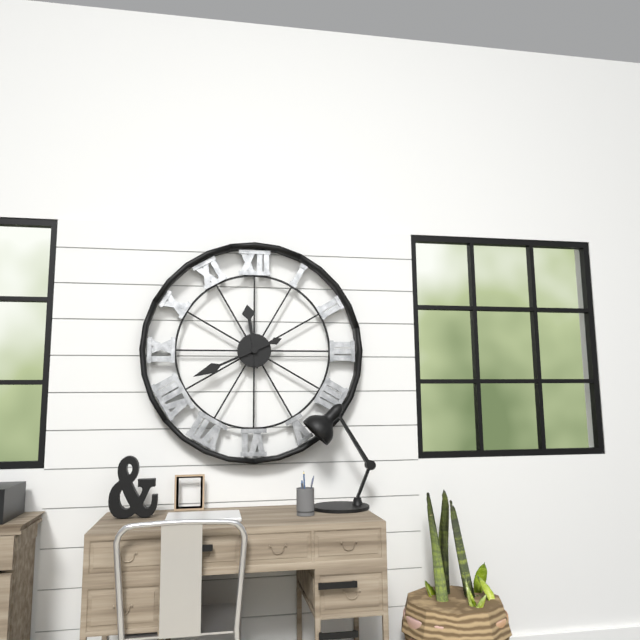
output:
11:41
